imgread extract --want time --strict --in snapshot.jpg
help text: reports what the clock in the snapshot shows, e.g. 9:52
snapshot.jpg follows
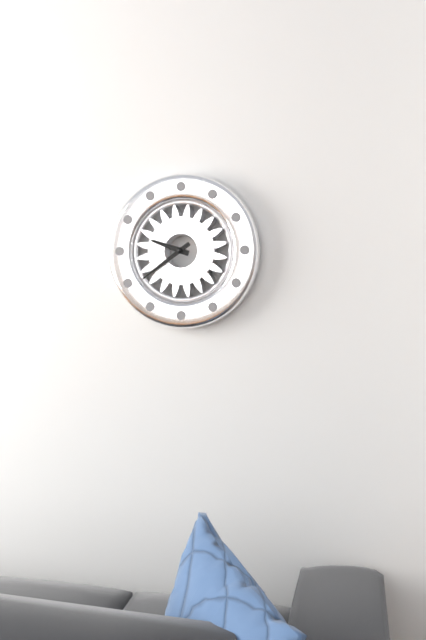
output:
9:39
